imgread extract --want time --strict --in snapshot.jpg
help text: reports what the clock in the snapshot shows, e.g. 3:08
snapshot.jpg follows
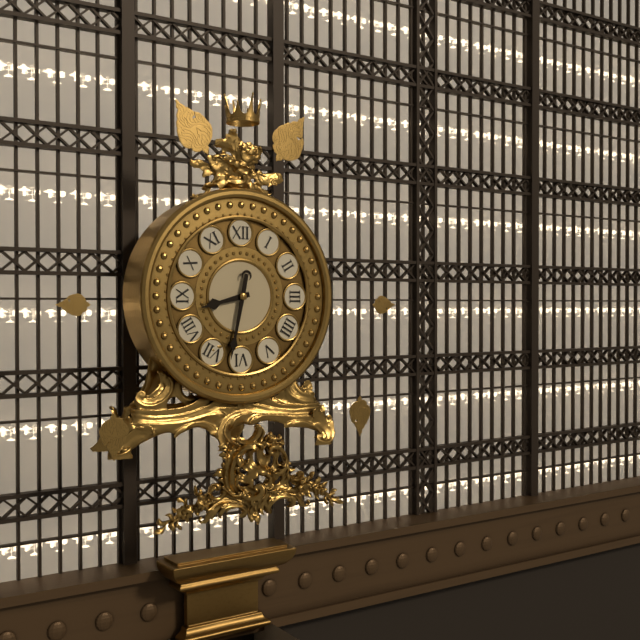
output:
8:32
